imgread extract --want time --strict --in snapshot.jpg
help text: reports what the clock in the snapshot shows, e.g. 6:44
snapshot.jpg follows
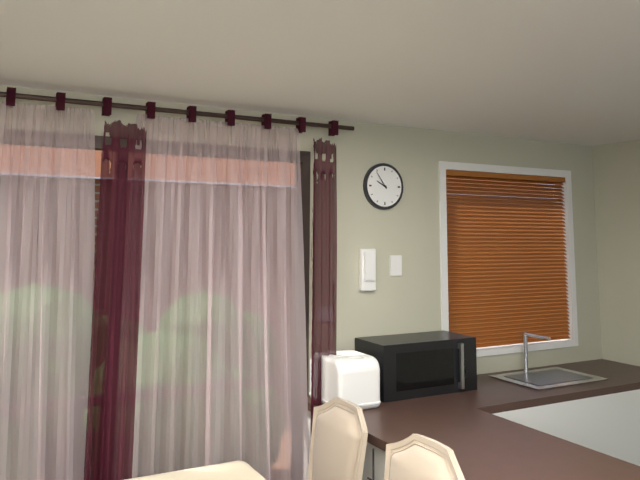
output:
9:54
